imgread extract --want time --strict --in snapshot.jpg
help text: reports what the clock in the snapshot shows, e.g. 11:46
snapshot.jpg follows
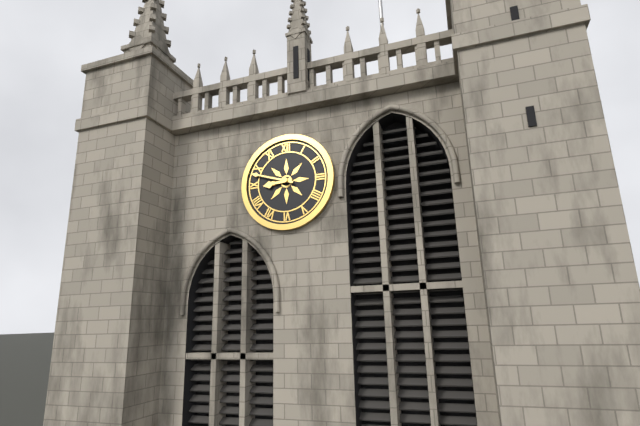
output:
8:48
